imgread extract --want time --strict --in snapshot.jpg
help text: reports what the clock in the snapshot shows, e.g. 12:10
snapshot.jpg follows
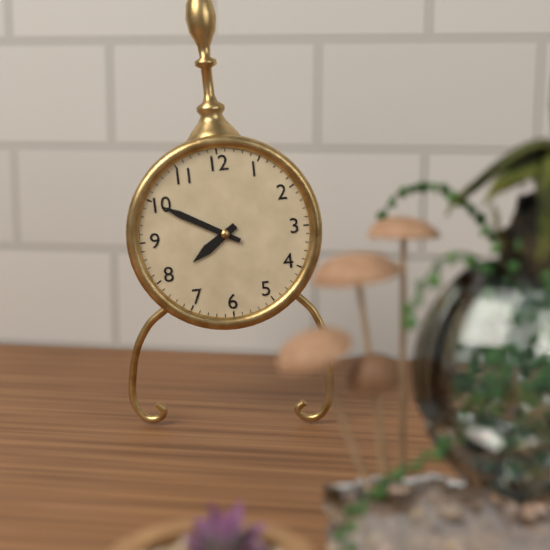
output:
7:50
